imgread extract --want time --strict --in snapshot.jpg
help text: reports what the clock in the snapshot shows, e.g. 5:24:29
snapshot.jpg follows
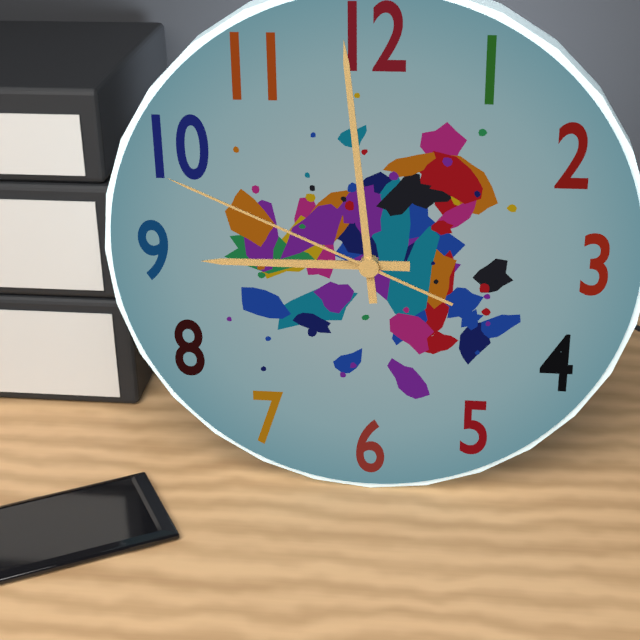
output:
8:59:49
